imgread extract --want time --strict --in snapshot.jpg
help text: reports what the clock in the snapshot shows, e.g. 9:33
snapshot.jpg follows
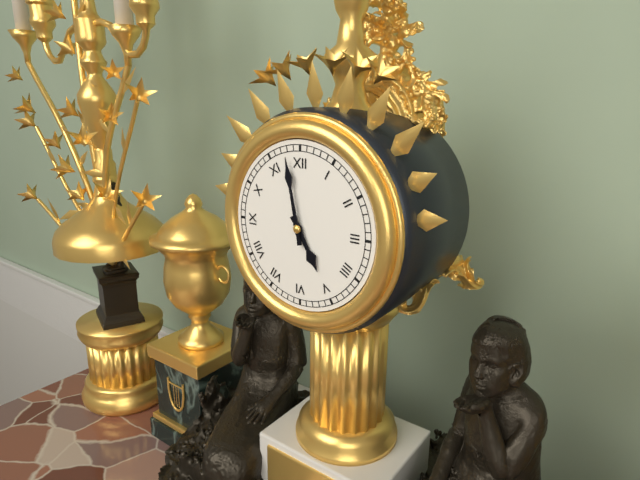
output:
4:58
